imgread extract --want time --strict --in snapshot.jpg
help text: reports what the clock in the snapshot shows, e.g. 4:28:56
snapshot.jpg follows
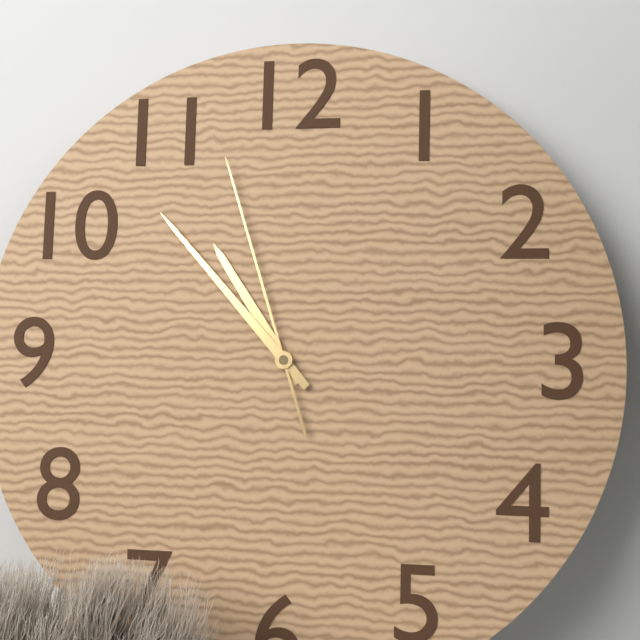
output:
10:53:57
